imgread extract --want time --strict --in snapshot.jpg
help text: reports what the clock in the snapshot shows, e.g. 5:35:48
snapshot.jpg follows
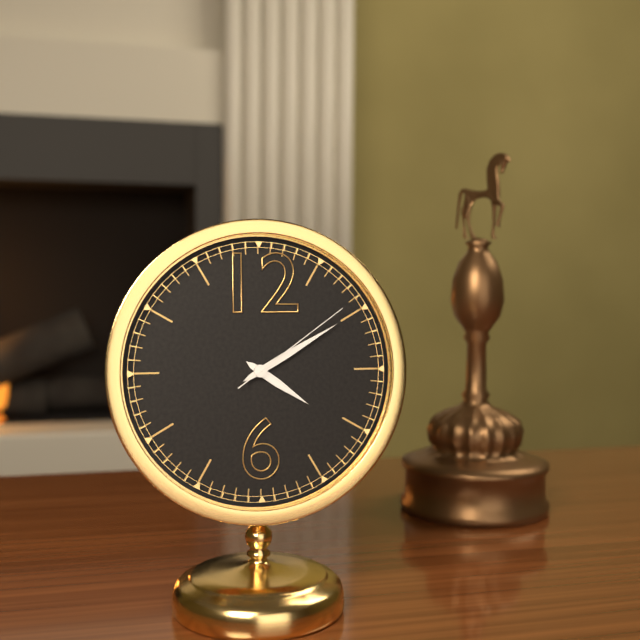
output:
4:10:09
